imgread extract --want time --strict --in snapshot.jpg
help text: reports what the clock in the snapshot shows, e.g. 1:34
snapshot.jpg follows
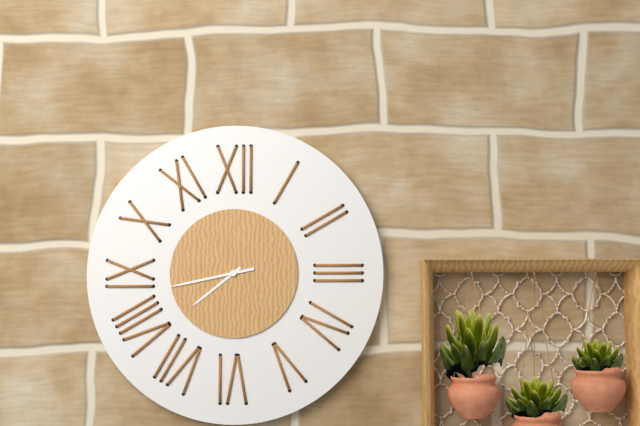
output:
7:43
